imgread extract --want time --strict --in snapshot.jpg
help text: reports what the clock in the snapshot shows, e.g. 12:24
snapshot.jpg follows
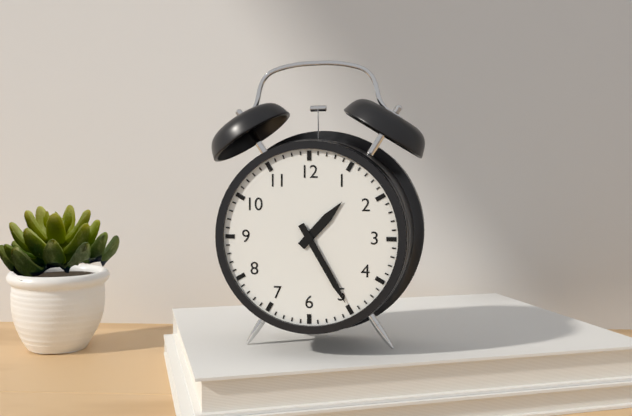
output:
1:25
